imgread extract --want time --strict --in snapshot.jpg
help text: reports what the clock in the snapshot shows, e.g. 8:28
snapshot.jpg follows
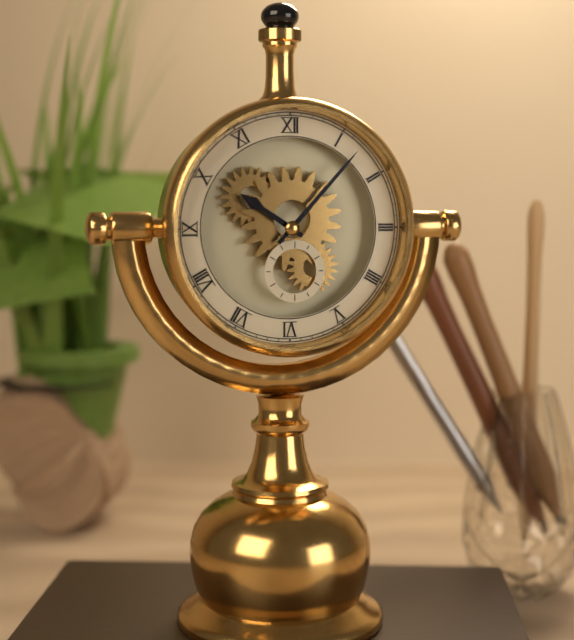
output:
10:07
